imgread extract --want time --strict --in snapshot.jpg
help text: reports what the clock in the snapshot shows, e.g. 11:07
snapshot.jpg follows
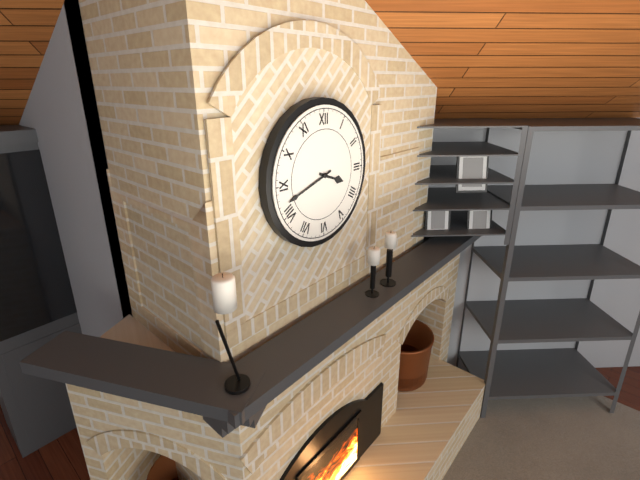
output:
3:42
